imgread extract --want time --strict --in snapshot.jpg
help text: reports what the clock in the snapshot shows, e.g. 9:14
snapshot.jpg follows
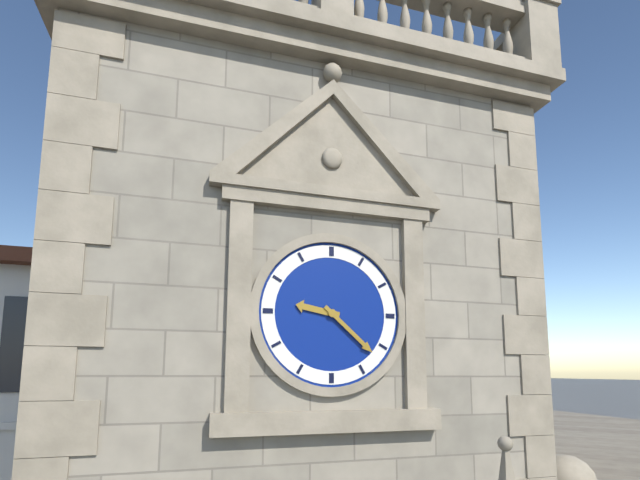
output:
9:22
